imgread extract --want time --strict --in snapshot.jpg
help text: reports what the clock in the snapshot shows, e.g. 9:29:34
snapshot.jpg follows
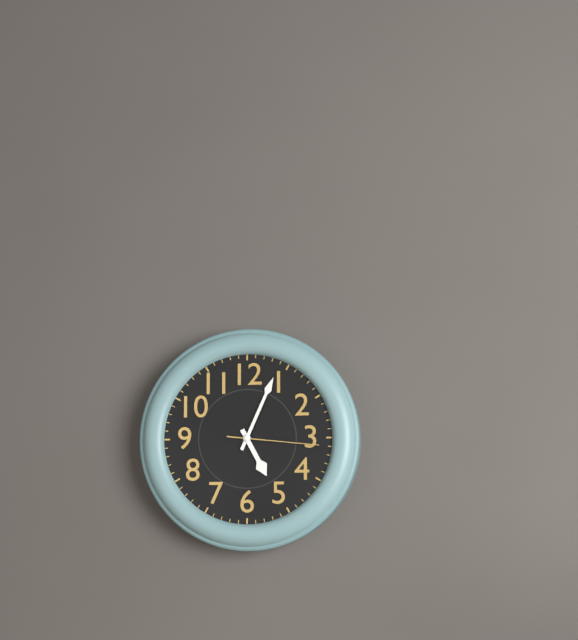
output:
5:04:16
